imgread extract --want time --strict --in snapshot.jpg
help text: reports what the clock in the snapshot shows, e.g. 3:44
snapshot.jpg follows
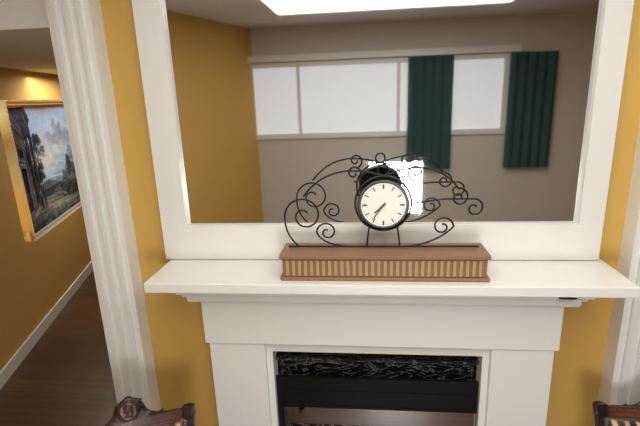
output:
7:36
